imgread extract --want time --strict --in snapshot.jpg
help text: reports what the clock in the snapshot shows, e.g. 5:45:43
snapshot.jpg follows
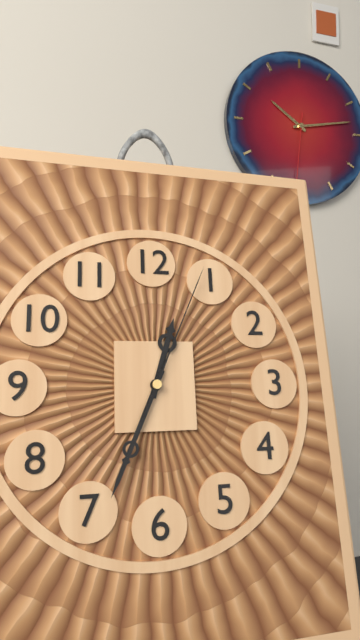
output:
12:34:04
